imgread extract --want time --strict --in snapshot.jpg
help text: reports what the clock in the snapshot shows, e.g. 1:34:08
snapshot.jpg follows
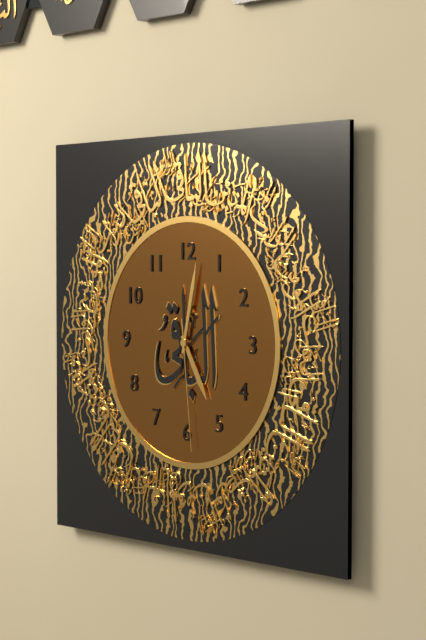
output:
5:02:29
